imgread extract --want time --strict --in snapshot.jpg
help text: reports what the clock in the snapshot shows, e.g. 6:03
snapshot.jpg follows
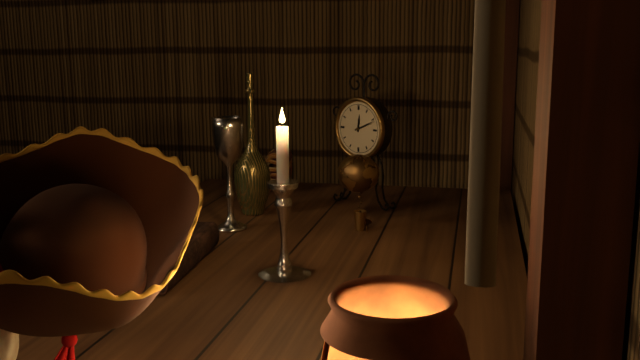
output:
12:11
